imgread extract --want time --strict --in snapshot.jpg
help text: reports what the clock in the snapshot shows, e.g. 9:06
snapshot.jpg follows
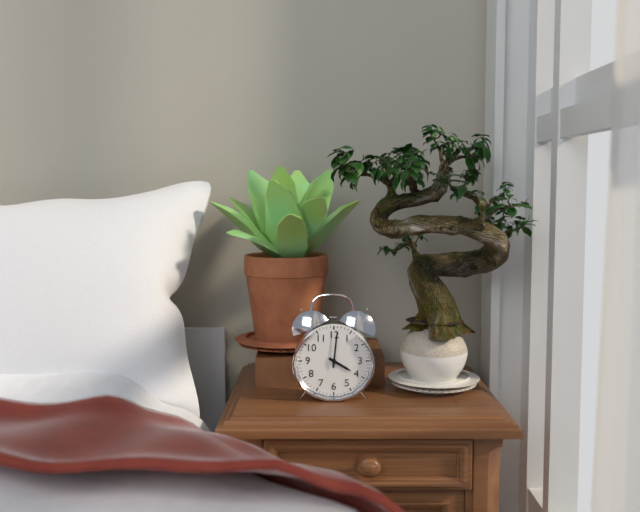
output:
4:01
